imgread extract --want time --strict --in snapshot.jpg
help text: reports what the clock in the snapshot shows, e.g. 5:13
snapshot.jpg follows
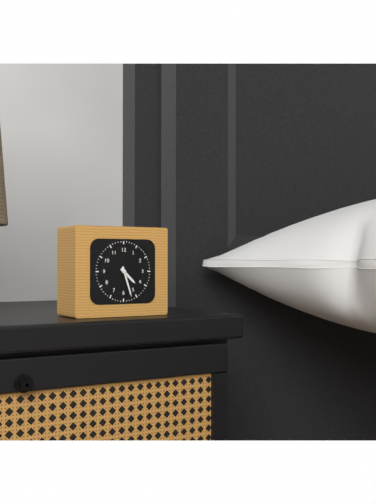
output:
4:27
